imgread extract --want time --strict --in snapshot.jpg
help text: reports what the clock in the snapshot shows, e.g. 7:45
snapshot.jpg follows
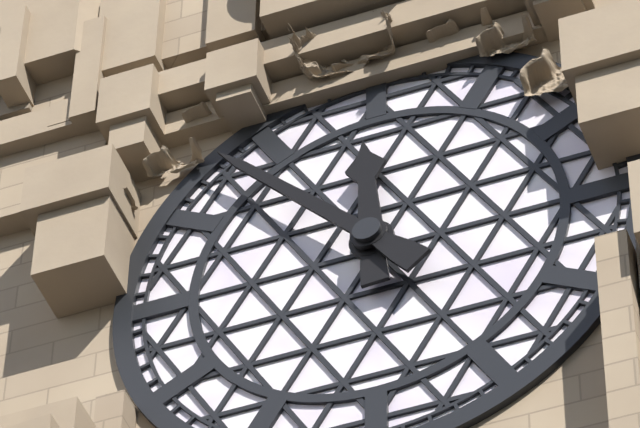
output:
11:53
